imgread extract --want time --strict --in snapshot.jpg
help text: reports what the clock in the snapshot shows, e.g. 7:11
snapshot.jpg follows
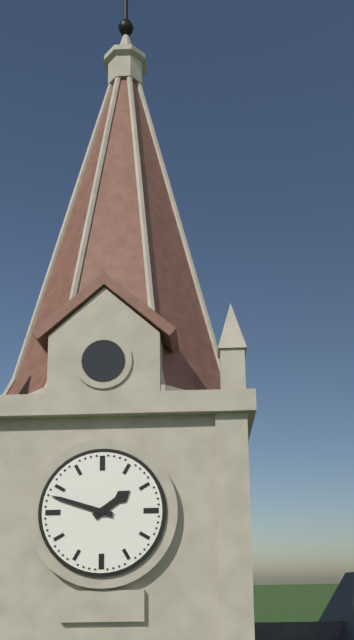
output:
1:48
